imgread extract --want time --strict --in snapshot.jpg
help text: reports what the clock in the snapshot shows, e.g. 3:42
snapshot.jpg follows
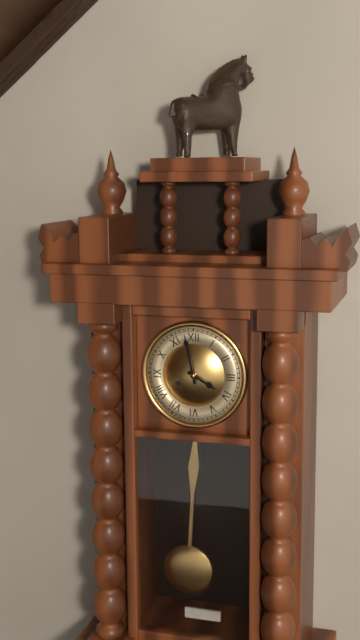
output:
3:58
